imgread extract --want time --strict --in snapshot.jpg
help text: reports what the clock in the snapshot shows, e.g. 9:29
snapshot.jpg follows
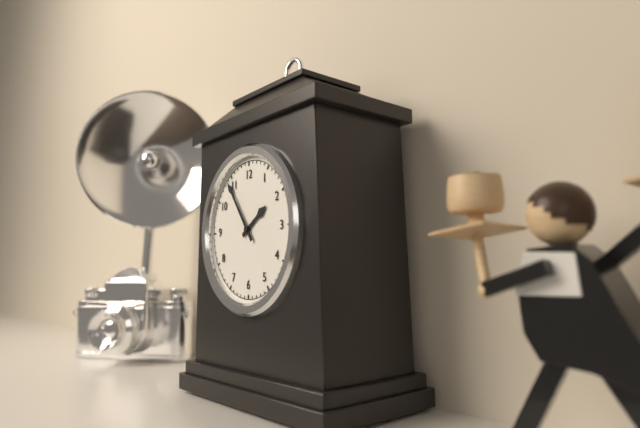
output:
1:54
